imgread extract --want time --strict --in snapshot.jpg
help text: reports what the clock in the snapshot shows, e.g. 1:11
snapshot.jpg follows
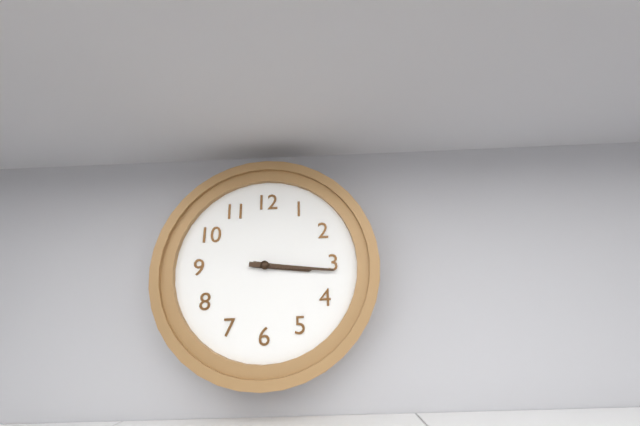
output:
3:16
